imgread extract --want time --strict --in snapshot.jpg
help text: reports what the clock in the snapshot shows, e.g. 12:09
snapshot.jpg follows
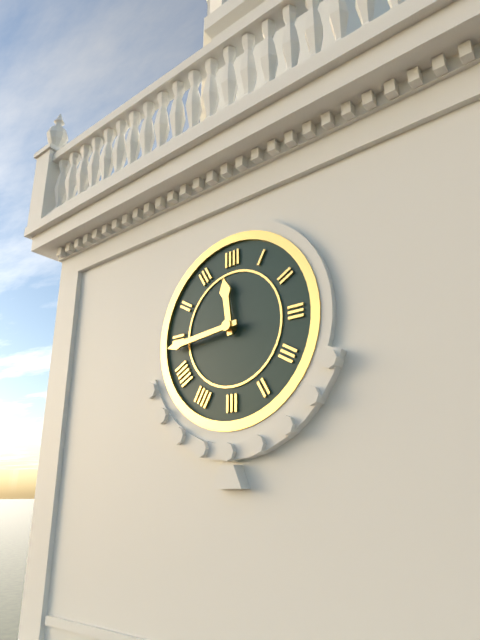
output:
11:44
